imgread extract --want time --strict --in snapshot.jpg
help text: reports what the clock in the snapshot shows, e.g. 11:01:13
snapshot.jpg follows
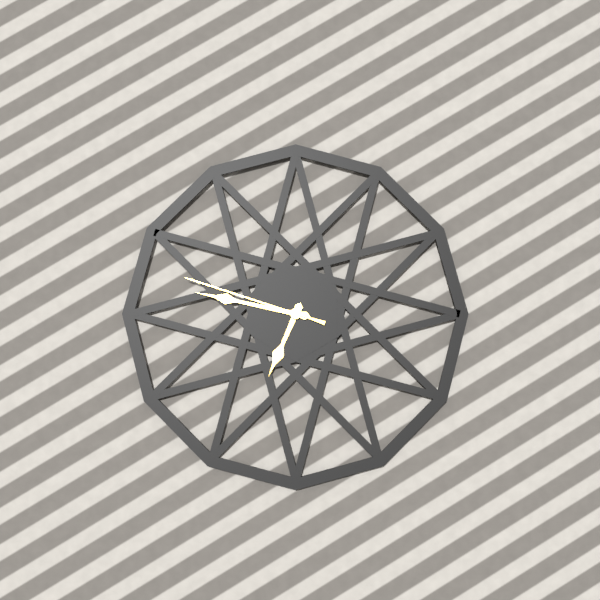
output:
6:47:48
